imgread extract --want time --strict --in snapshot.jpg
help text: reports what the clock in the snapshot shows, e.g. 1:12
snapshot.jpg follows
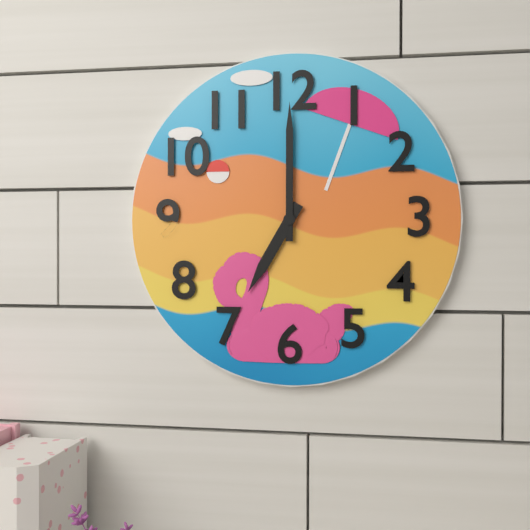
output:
7:00
